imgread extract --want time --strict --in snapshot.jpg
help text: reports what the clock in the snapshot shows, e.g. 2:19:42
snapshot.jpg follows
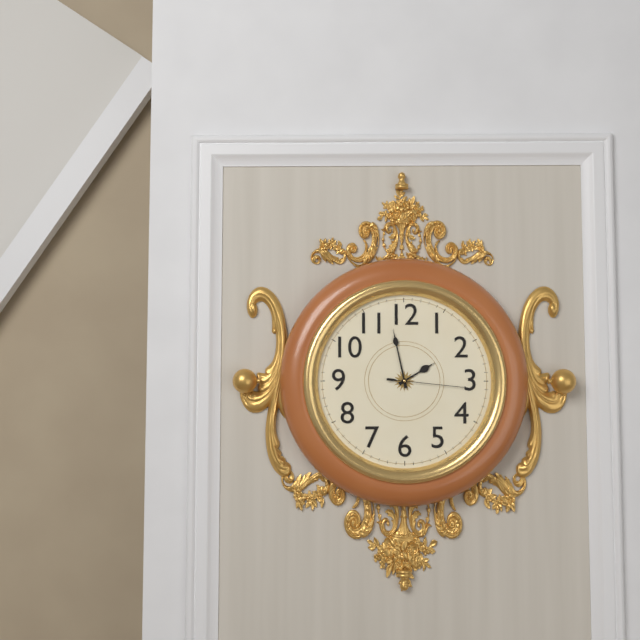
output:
1:58:16
